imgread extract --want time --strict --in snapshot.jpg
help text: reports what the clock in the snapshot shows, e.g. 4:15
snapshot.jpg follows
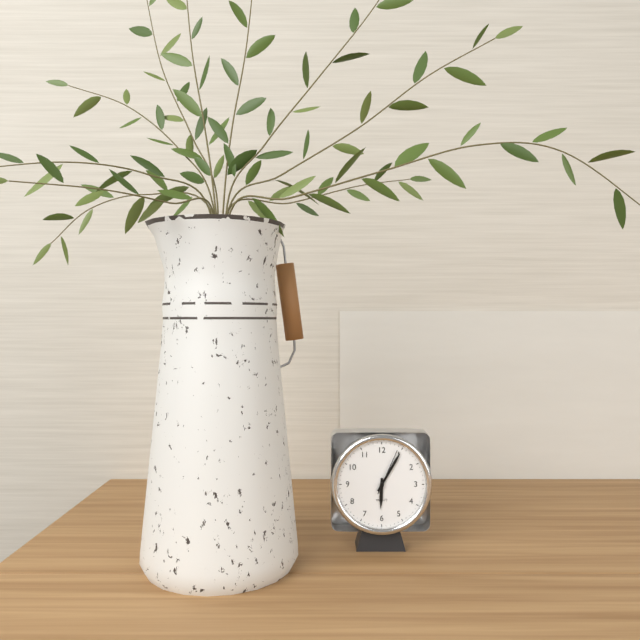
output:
6:05
